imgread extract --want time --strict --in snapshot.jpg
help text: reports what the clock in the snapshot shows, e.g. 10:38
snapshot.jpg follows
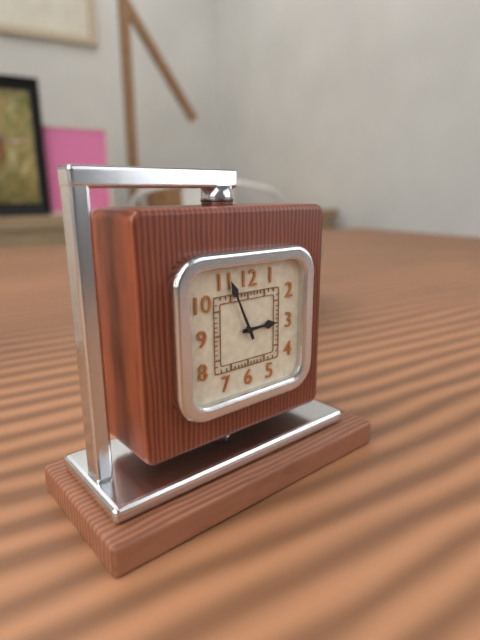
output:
2:56
